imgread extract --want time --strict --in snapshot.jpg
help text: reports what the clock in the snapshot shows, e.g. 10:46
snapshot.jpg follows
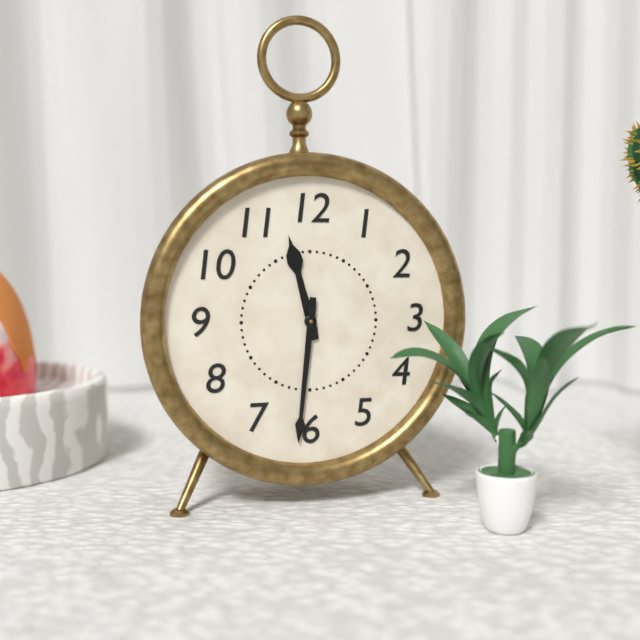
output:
11:31
